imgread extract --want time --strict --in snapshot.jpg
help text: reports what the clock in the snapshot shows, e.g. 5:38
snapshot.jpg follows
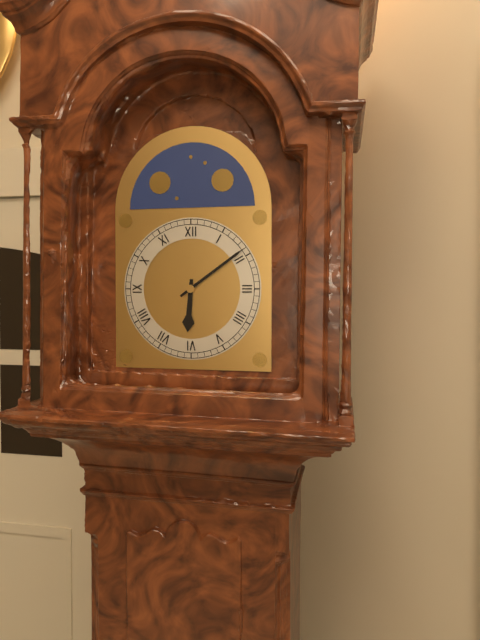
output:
6:09
